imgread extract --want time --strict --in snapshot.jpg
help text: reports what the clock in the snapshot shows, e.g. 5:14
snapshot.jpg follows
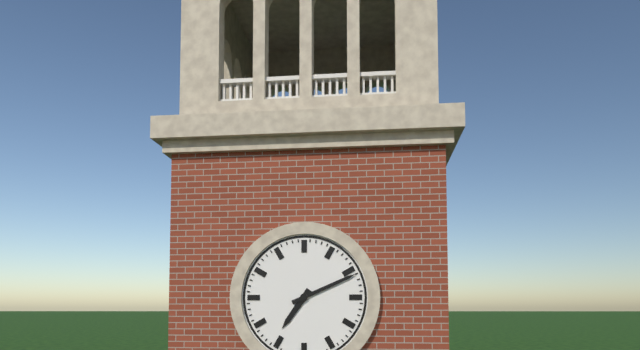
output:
7:11
